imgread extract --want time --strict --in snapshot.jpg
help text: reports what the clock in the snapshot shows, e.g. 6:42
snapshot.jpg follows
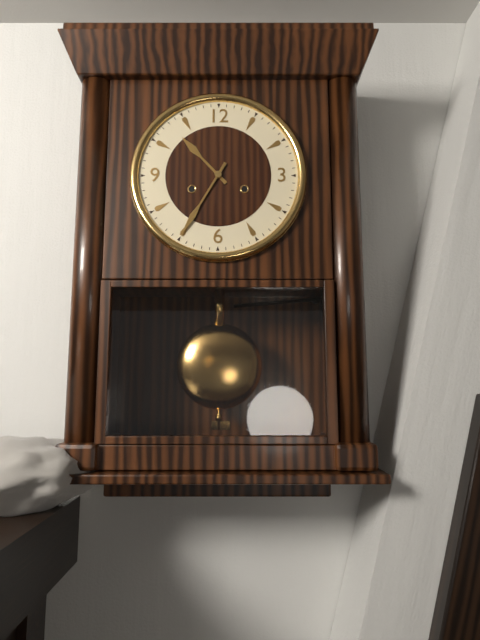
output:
10:35
